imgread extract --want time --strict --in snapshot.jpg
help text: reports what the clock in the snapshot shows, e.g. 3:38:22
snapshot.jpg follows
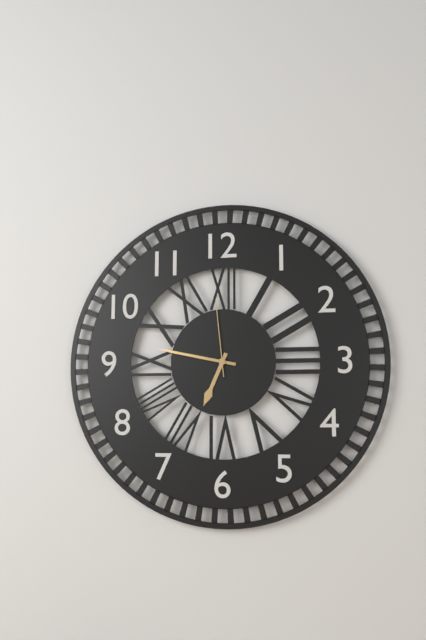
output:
6:47:59
